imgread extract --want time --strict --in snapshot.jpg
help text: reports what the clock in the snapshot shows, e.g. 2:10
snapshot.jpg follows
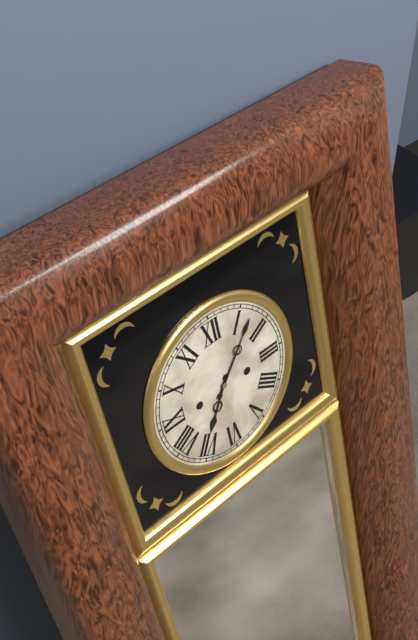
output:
7:07
